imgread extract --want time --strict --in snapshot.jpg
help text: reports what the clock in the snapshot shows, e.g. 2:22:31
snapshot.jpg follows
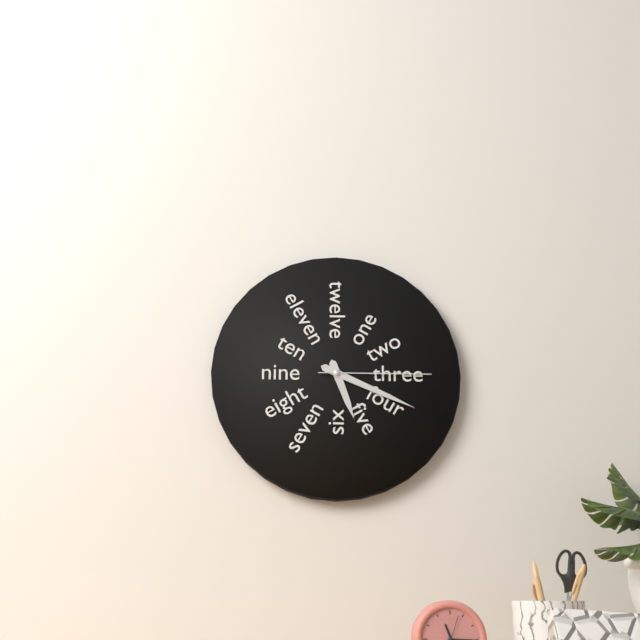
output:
5:19:15
